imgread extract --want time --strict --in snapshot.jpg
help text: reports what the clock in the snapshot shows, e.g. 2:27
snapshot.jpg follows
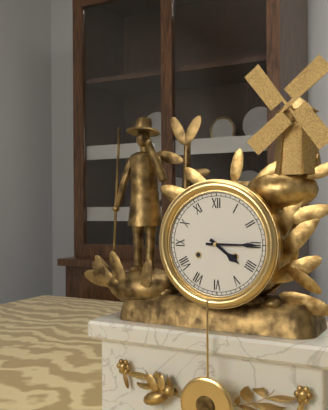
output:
4:15
